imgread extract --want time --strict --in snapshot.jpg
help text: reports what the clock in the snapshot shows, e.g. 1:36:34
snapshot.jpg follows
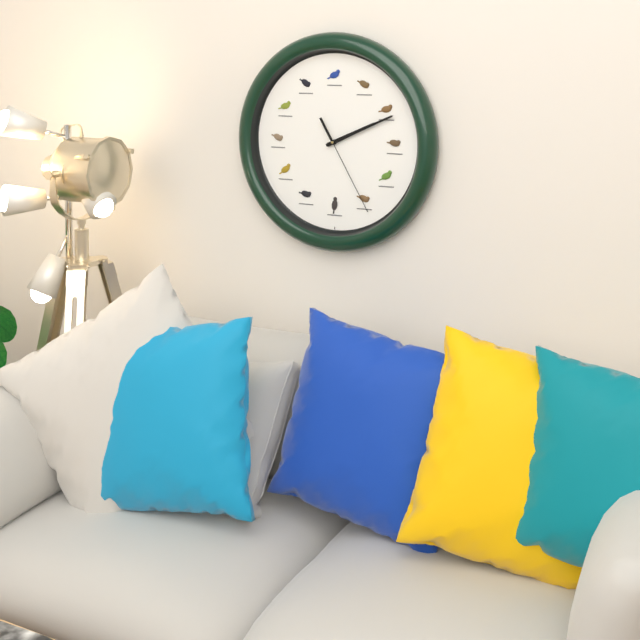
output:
2:11:25
